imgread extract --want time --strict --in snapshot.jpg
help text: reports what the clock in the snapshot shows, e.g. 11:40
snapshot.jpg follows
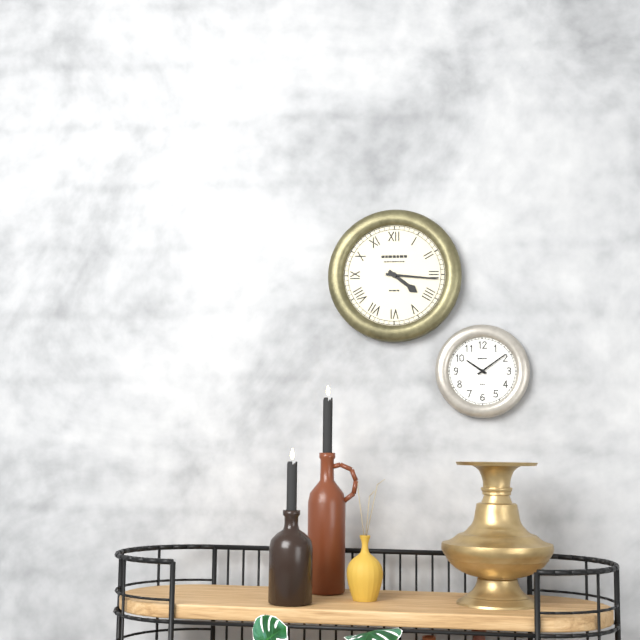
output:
4:16
